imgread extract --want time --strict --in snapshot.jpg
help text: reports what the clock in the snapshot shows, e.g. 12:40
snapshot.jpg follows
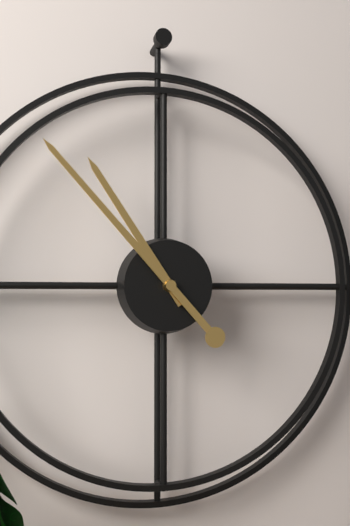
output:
10:53
